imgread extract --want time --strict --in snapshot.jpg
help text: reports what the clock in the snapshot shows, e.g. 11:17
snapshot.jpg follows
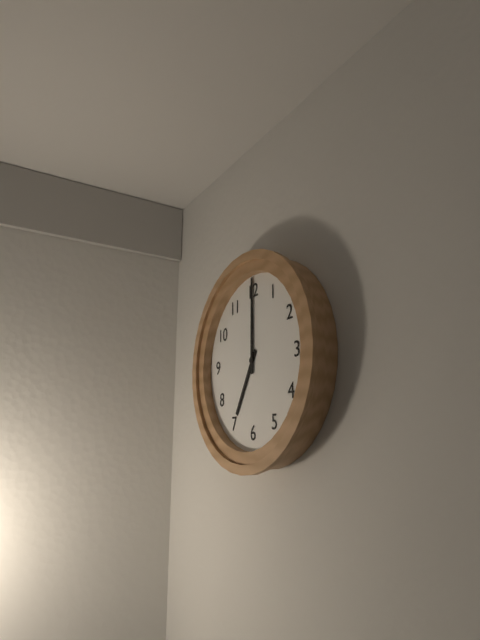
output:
7:00
